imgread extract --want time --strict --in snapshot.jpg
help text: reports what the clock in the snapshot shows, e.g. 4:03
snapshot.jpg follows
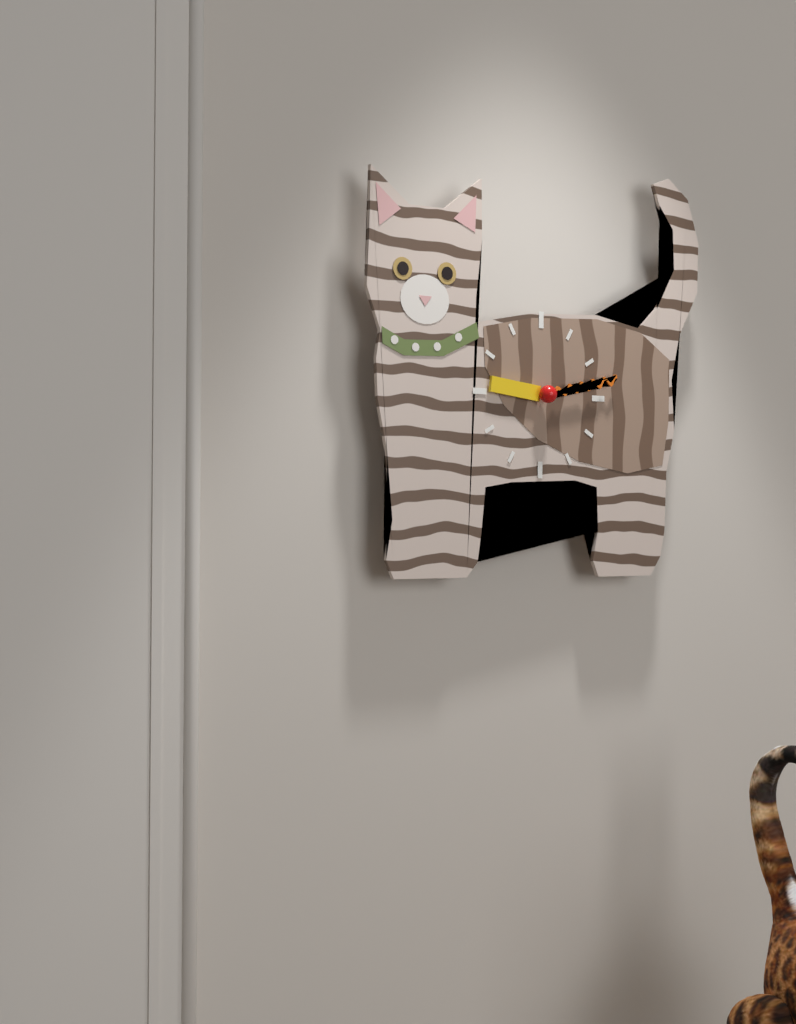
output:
9:13
